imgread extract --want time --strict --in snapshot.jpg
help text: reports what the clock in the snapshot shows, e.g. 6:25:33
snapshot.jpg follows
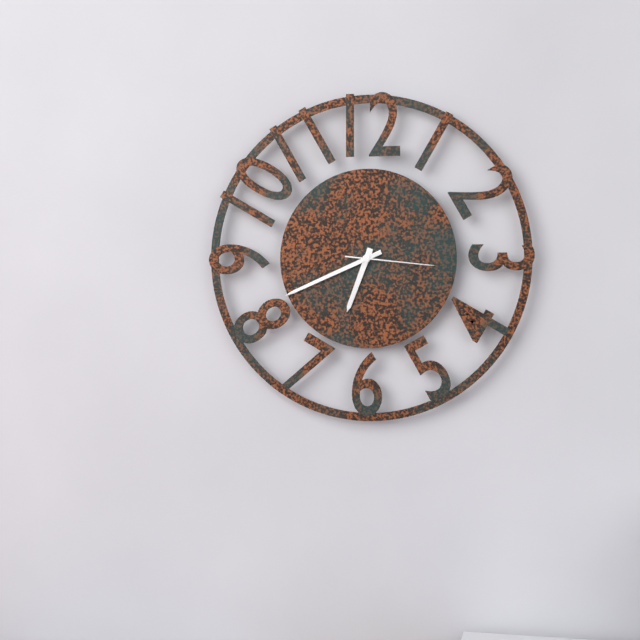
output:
6:41:16
